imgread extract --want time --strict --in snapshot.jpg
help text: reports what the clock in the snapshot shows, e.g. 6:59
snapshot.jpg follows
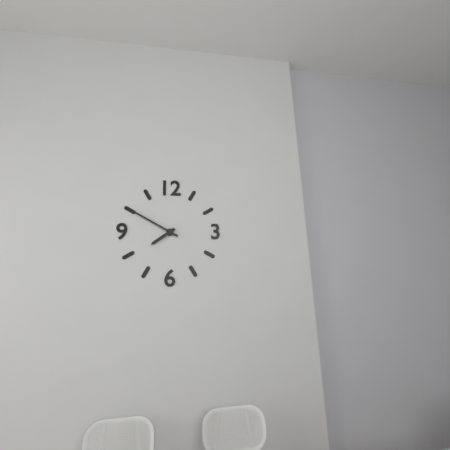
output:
7:50
